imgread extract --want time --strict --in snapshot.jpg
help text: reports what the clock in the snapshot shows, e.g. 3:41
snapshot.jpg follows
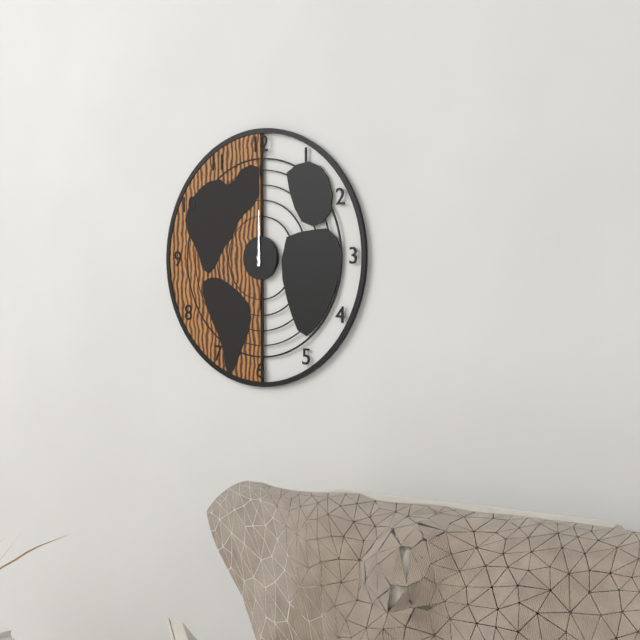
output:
12:00
